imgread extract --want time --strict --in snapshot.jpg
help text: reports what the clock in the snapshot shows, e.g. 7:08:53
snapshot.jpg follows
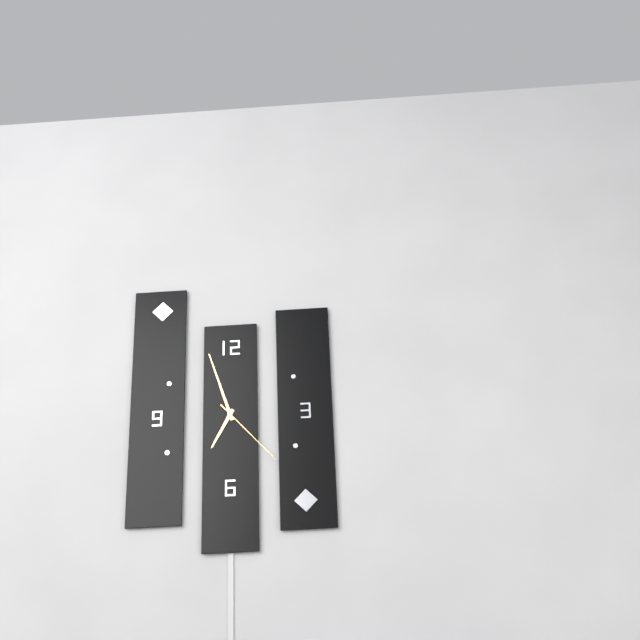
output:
6:57:23
